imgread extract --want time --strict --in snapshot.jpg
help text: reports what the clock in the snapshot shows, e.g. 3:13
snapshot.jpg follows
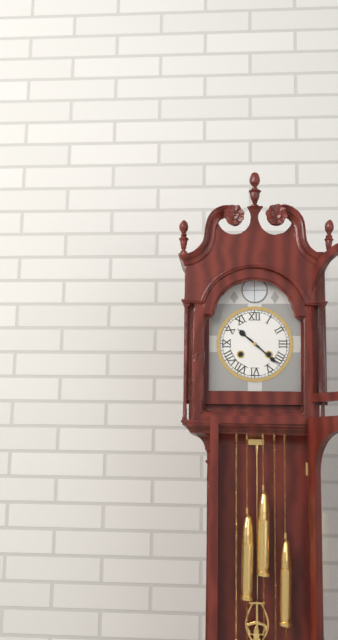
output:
10:22
